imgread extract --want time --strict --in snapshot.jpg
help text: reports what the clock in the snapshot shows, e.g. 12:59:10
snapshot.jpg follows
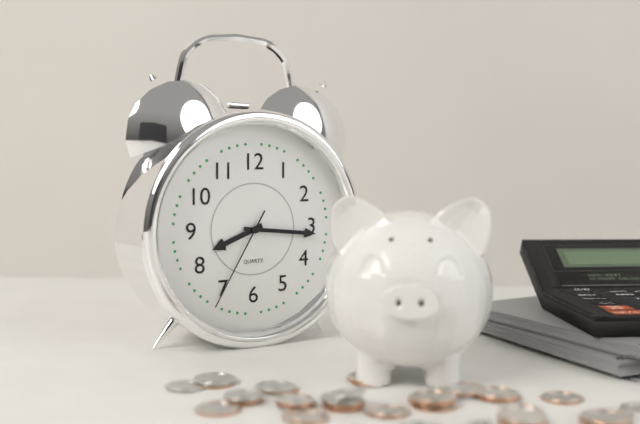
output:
8:16:35
